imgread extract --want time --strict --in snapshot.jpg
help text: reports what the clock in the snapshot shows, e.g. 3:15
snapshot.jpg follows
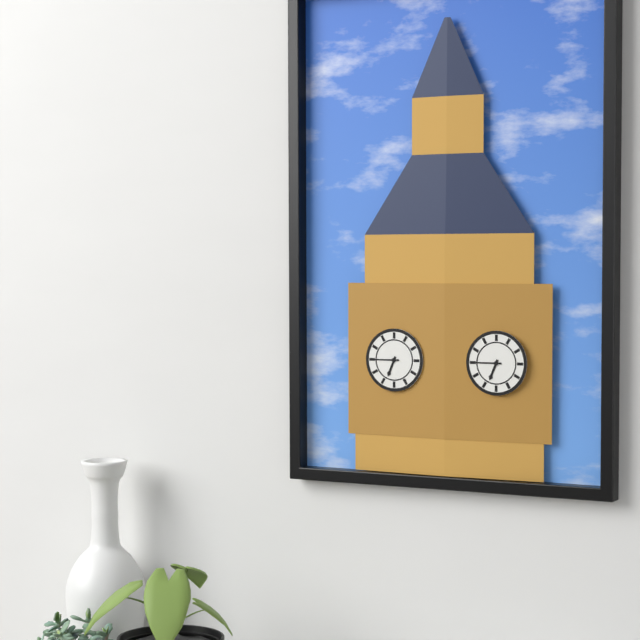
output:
6:45
